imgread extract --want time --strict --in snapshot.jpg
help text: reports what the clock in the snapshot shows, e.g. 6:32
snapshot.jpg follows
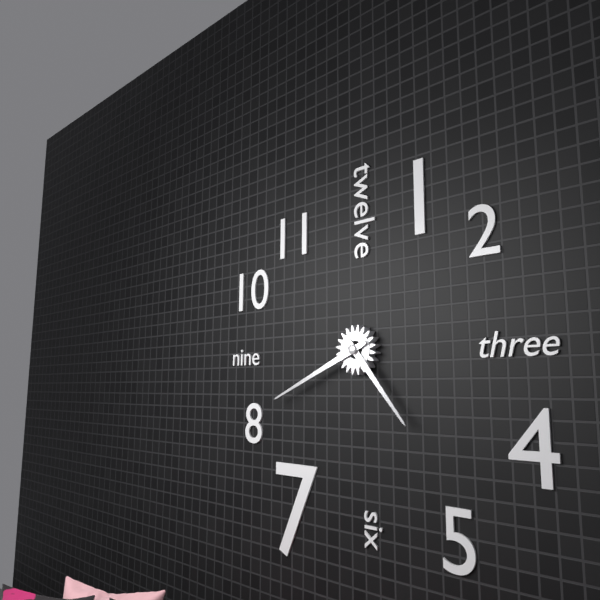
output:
4:41
